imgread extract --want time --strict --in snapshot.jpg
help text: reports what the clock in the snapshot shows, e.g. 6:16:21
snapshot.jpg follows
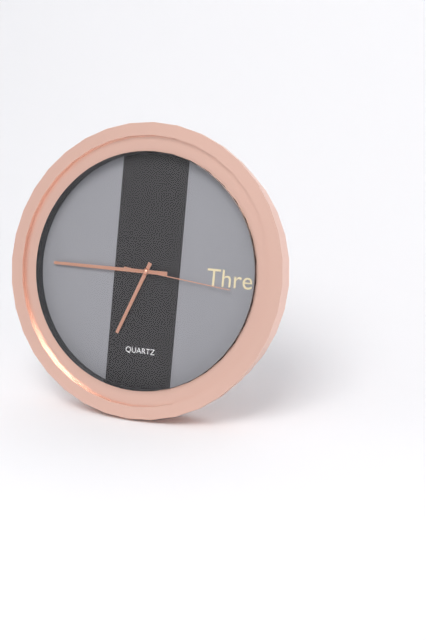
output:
6:45:16
